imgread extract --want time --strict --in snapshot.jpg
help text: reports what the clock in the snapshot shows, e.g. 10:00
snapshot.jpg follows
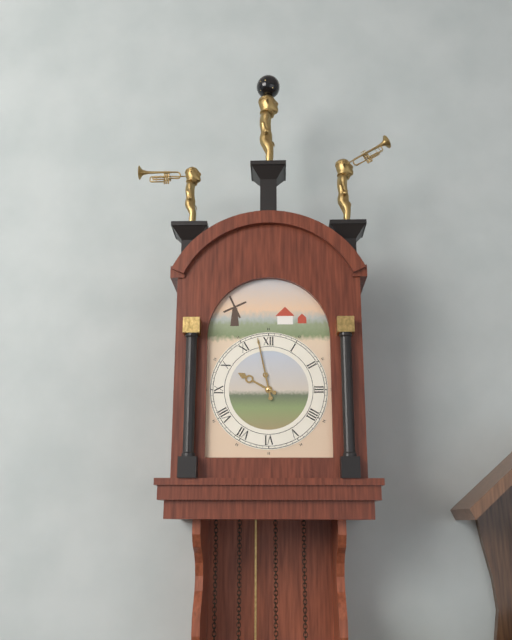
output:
9:58
